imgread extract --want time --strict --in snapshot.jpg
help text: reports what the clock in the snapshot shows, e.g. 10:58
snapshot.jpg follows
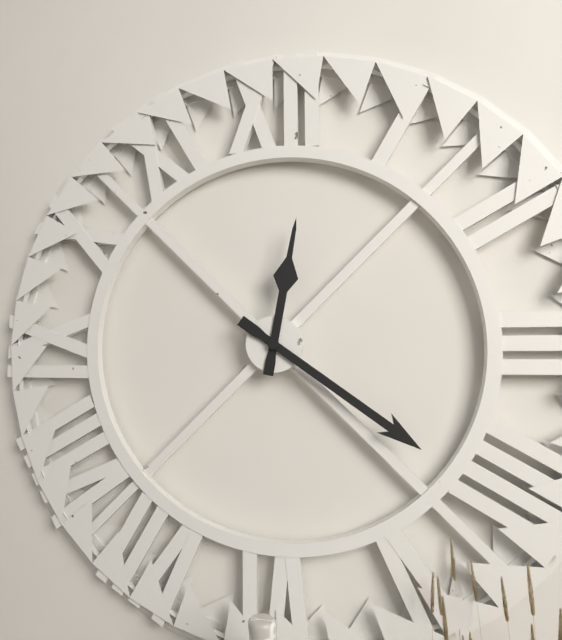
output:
12:21
